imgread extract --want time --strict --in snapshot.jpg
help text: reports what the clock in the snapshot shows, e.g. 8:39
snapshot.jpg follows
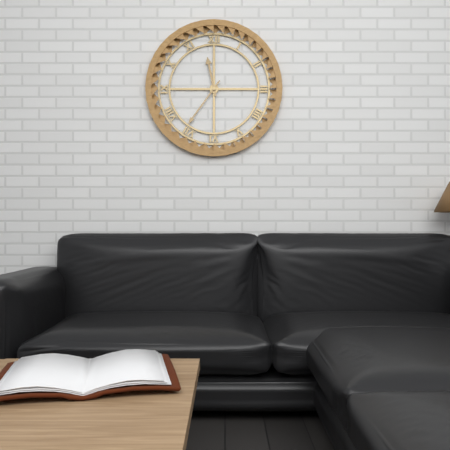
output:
11:36
